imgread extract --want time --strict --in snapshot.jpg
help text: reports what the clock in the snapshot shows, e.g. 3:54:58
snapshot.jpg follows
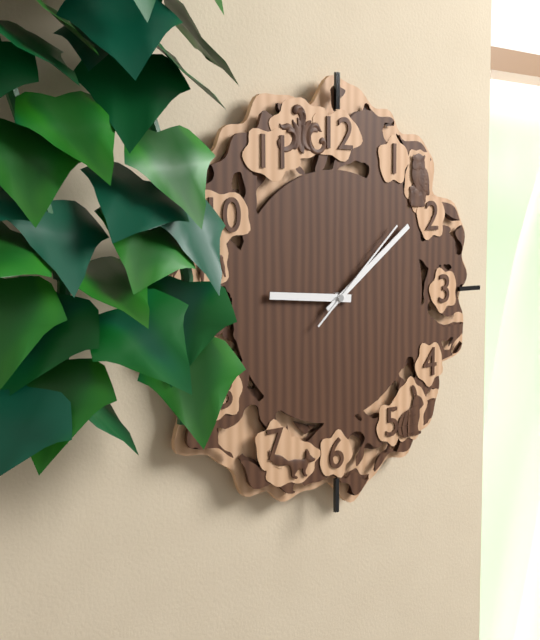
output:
9:09:08
